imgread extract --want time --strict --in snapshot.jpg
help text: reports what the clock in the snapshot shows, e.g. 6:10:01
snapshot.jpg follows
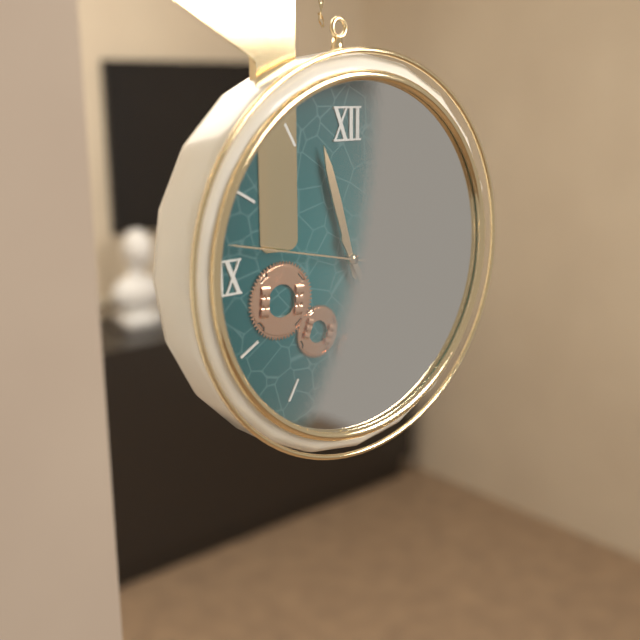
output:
11:25:47
